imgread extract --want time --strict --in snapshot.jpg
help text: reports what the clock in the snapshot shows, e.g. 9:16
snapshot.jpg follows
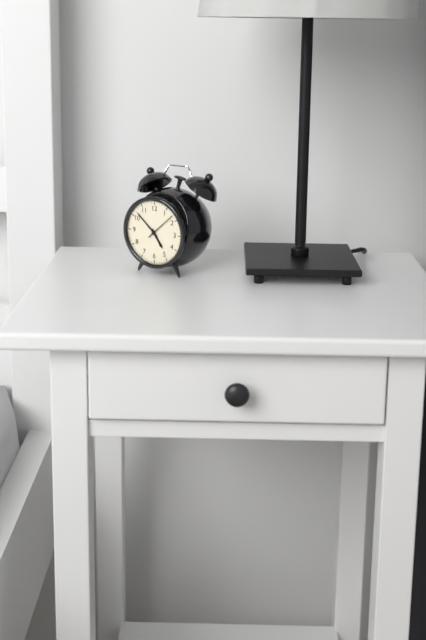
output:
4:52
